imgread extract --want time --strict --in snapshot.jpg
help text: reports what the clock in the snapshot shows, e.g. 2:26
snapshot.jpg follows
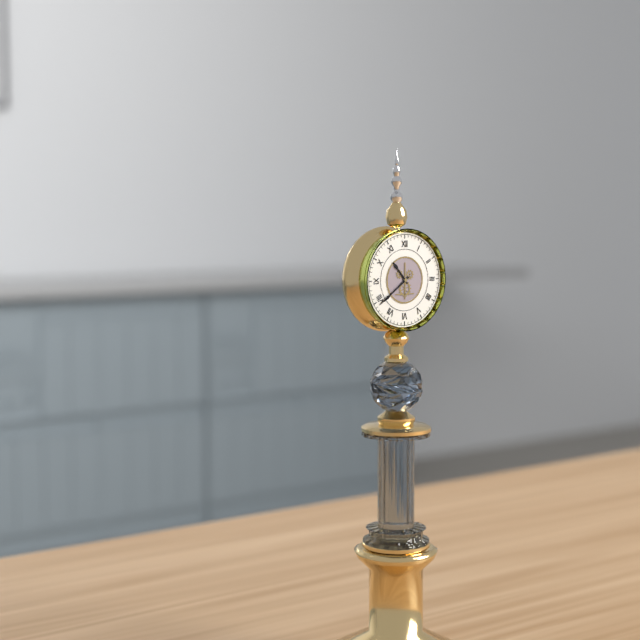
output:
10:39
